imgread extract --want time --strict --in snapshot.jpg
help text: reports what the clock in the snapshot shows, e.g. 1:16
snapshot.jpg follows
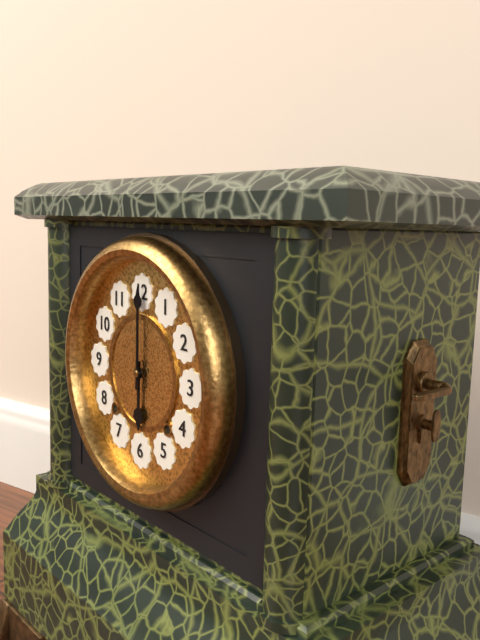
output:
6:00
